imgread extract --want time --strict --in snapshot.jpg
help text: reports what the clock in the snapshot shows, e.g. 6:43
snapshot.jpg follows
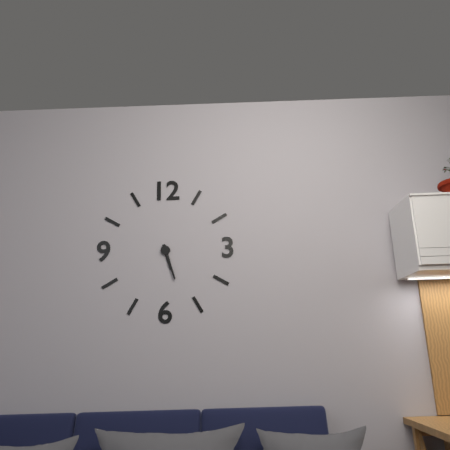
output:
5:27
